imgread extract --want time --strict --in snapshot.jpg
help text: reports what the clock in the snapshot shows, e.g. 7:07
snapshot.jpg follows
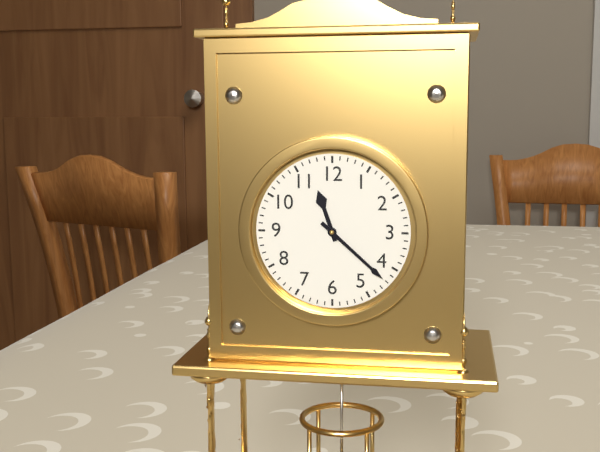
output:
11:22
